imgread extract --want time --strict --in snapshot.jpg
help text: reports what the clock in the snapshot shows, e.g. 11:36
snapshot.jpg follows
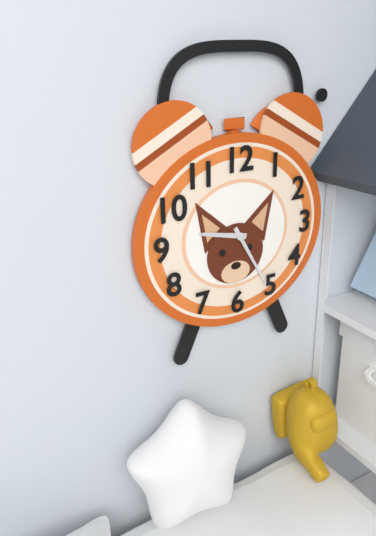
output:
9:25
